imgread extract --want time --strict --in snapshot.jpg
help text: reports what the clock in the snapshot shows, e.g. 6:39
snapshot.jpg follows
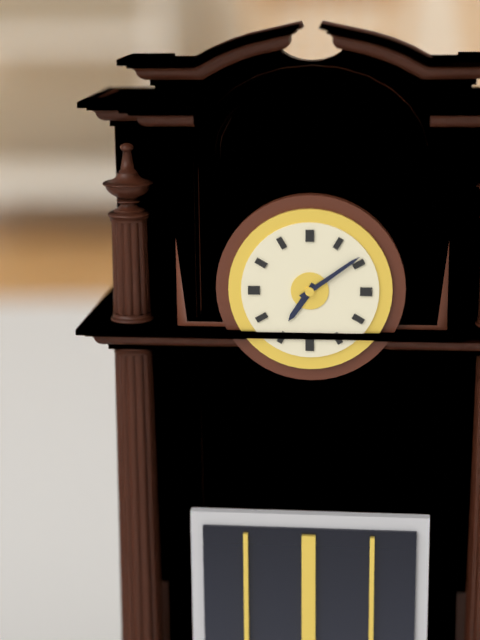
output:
7:09
